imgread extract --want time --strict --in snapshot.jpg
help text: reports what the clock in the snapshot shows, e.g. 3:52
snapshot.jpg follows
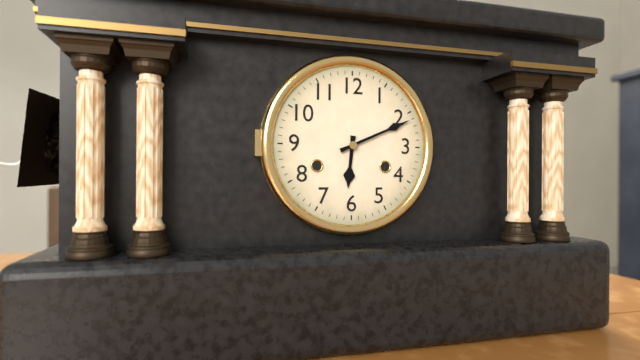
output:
6:11
